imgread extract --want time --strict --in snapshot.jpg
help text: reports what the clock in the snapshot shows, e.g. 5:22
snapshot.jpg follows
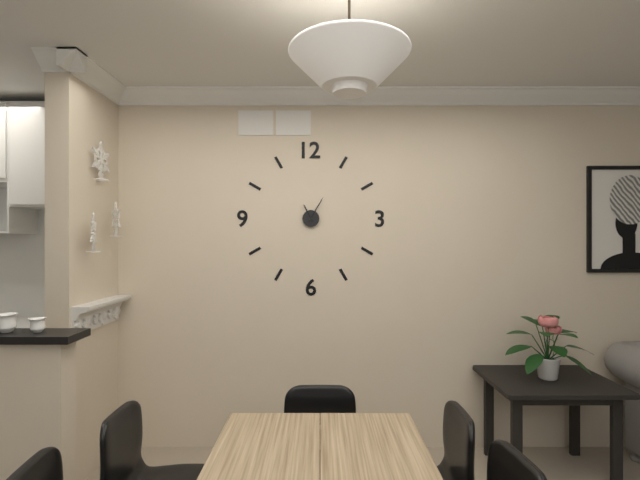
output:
11:05
